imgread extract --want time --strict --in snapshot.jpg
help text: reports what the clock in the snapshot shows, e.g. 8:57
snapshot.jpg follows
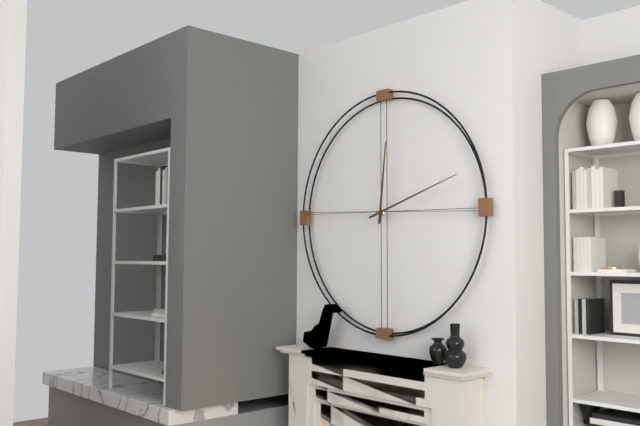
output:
12:12
